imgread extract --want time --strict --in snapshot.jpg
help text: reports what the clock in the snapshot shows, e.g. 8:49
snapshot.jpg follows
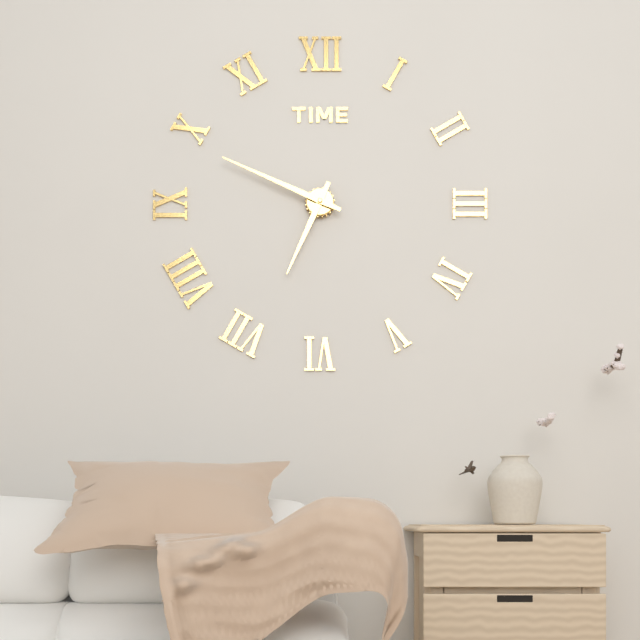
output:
6:49
